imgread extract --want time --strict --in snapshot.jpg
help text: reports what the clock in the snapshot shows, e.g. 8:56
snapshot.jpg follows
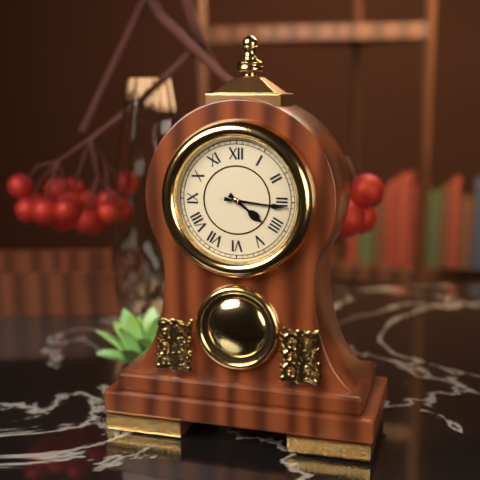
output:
4:16
